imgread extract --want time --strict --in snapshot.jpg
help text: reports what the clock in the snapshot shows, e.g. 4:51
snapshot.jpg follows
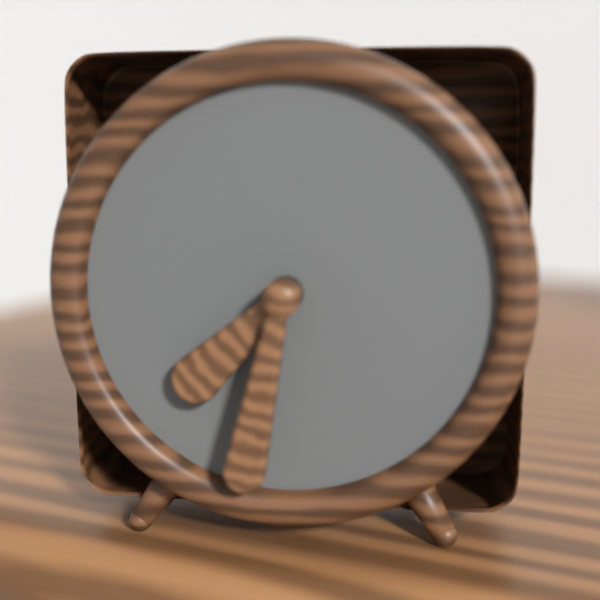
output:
7:32
